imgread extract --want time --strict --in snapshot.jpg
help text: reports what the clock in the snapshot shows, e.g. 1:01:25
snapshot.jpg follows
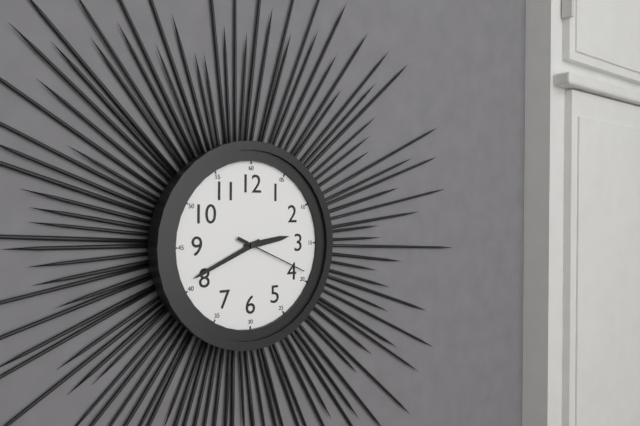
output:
2:41:19
